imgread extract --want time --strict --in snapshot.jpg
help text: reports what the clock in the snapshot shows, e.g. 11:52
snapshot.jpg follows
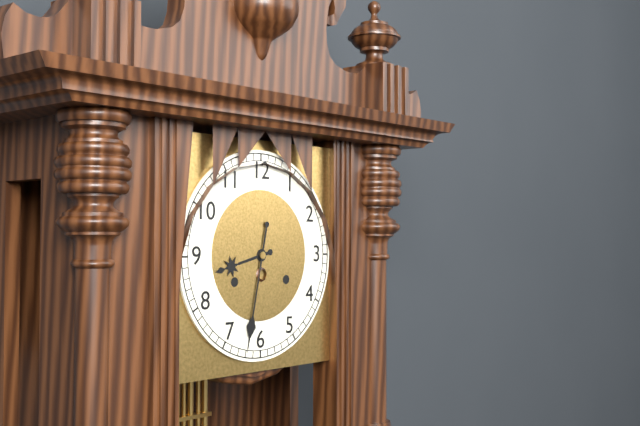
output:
8:32
